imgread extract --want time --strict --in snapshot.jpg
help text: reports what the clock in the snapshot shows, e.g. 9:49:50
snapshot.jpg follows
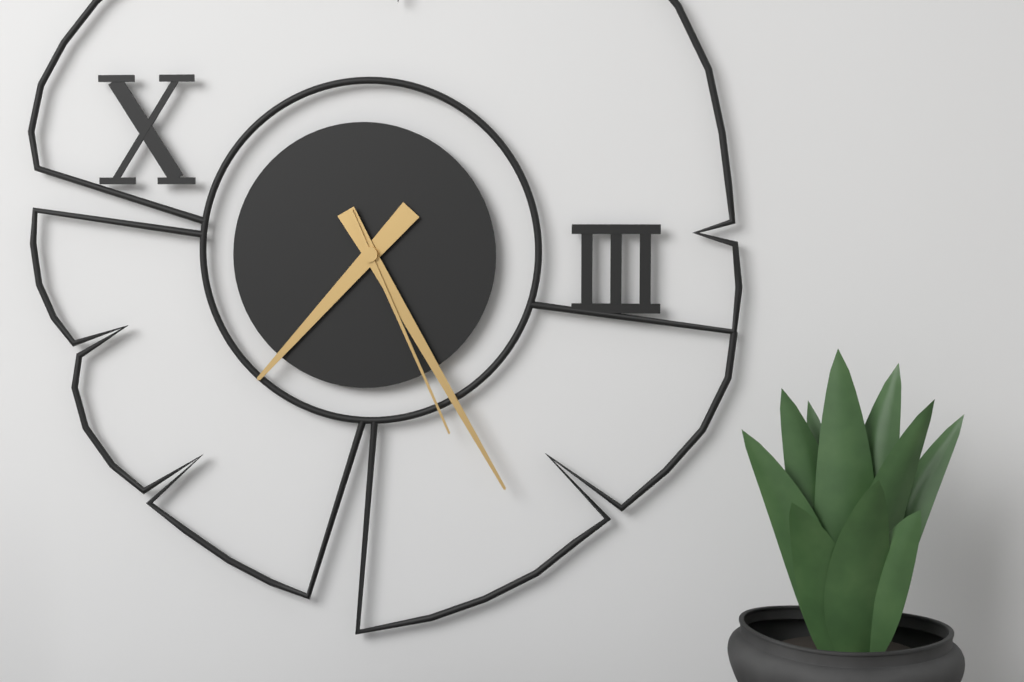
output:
7:25:26
